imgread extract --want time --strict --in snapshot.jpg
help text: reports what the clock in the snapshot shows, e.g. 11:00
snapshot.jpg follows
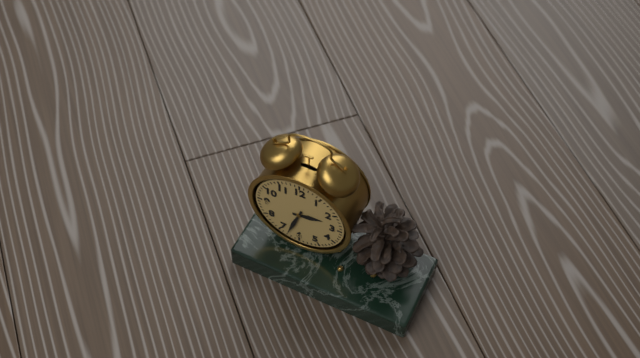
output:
2:33
